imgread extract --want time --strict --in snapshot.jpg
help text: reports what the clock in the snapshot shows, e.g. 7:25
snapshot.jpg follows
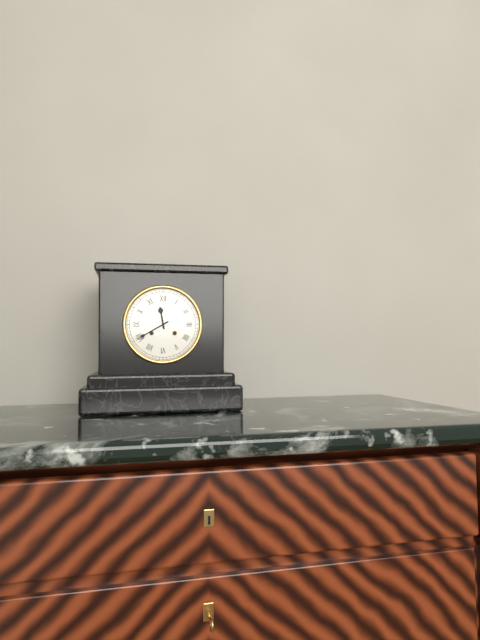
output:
11:40
